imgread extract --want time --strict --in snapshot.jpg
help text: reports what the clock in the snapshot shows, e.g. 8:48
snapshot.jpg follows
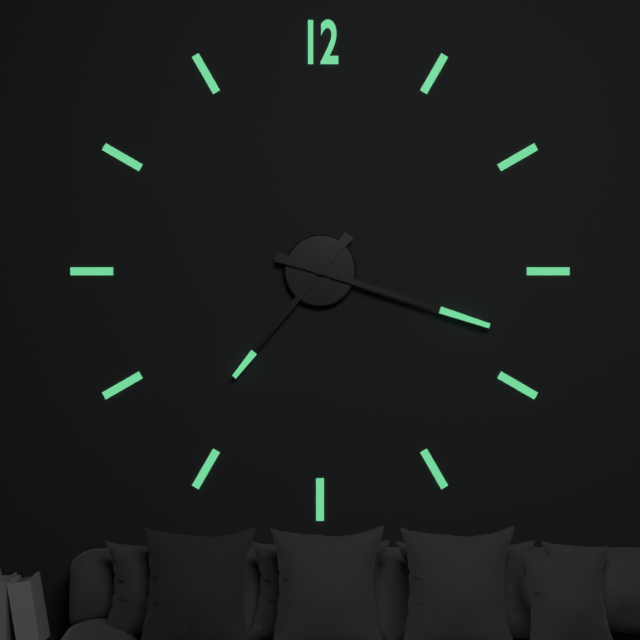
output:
7:18
